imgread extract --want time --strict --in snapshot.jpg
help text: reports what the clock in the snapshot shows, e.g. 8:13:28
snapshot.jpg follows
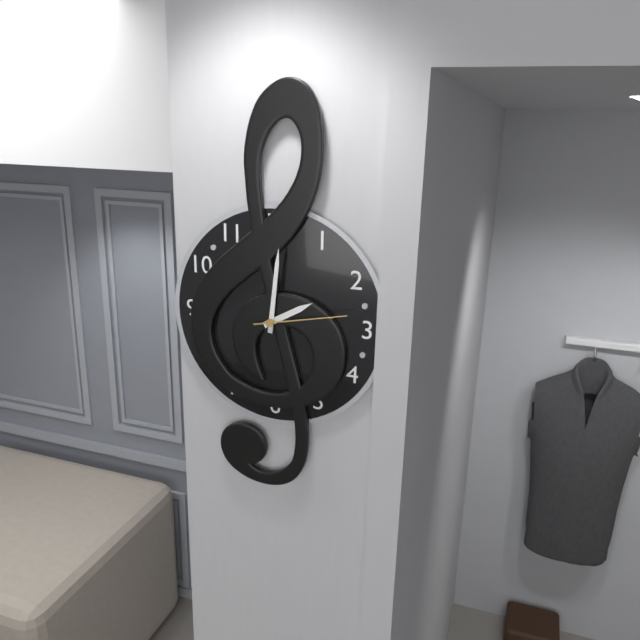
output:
2:01:13
